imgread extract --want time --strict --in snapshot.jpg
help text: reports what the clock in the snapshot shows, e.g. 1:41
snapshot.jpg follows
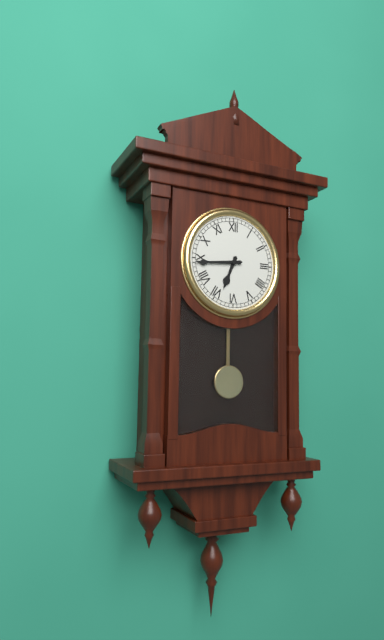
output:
6:44
